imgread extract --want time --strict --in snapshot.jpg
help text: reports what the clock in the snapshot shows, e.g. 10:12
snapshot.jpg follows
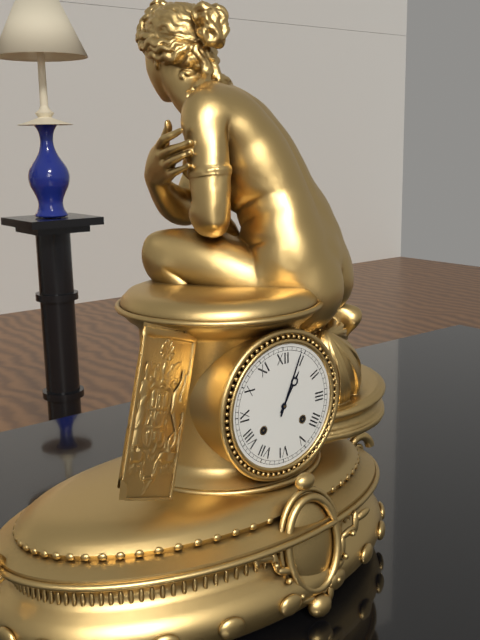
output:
1:04
